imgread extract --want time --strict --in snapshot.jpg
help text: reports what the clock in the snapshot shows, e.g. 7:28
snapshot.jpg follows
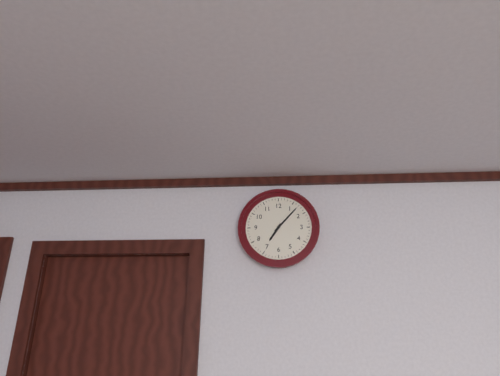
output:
7:07
